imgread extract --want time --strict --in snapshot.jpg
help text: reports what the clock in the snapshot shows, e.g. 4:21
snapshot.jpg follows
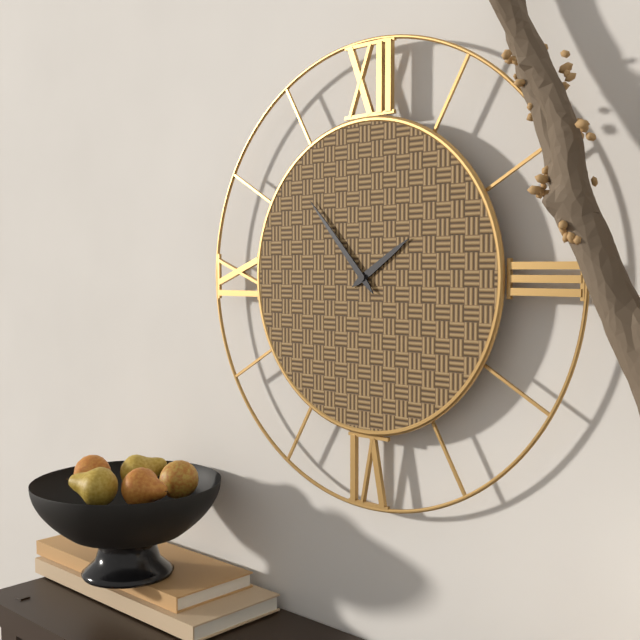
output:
1:53
